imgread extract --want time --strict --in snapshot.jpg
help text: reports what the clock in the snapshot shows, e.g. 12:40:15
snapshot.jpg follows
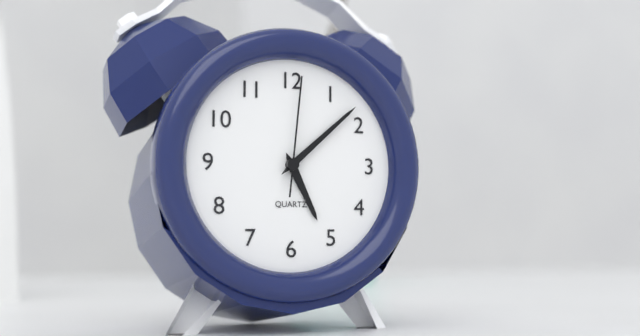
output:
5:08:01
